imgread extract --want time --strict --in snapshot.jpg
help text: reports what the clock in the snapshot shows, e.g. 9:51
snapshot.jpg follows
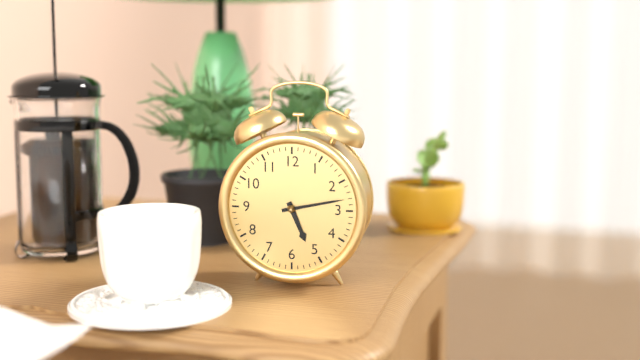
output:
5:13
